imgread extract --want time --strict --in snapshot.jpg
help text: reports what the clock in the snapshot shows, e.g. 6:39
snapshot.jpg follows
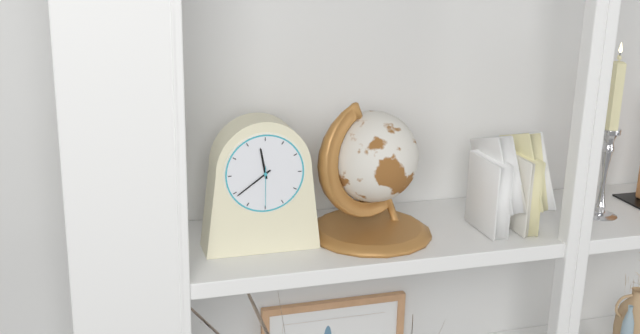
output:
11:39
